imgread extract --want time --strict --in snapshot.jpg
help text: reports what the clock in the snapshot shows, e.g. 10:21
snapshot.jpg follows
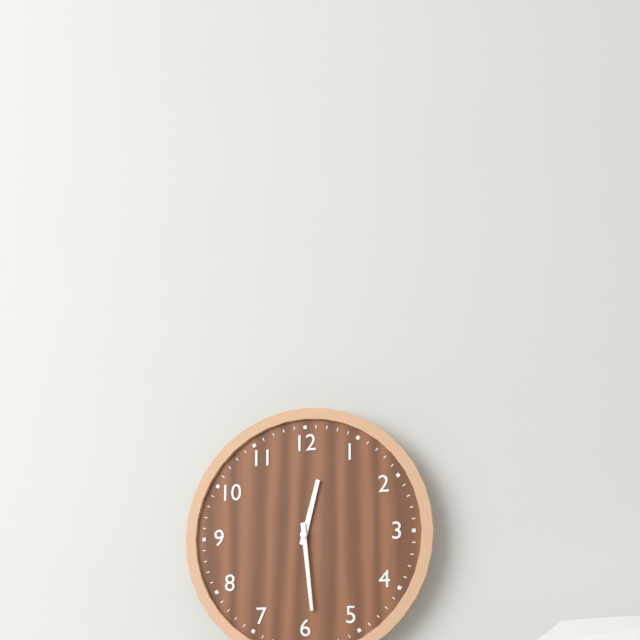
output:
12:29
